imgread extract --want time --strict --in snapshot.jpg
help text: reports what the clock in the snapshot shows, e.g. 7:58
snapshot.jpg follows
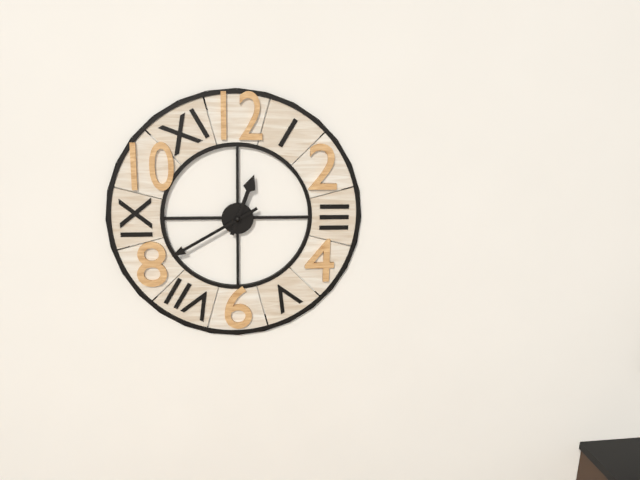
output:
12:40
